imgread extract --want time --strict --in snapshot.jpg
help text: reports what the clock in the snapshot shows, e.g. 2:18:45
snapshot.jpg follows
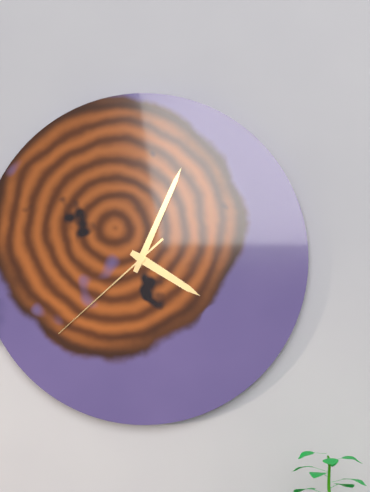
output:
4:04:38
